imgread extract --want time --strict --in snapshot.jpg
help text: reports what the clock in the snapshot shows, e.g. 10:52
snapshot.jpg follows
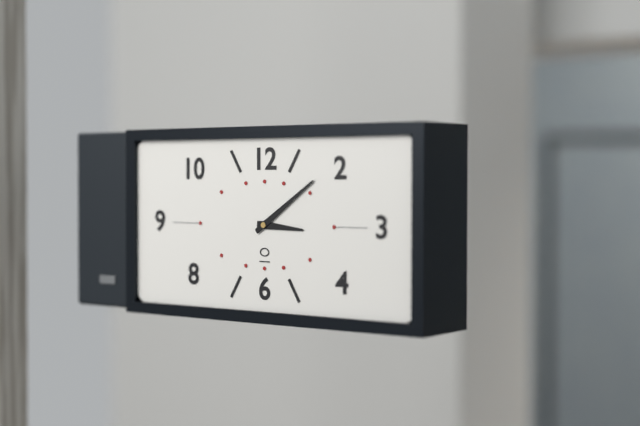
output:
3:09
